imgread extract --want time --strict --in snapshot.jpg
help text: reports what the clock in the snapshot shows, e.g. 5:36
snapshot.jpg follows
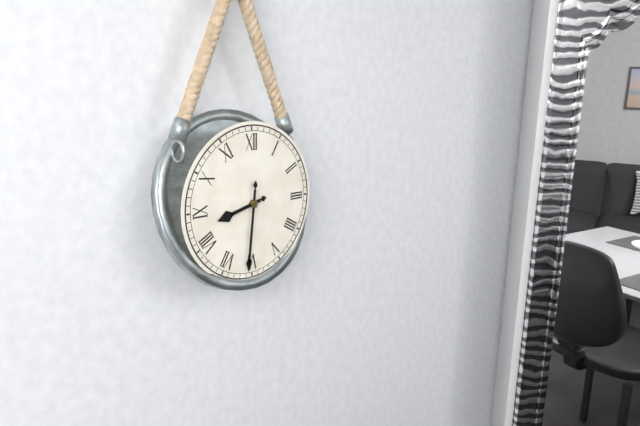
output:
8:31
